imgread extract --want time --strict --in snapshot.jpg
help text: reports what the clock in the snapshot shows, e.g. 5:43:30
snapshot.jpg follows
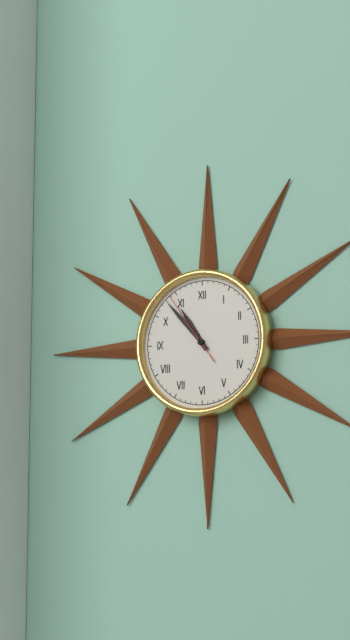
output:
10:53:54
